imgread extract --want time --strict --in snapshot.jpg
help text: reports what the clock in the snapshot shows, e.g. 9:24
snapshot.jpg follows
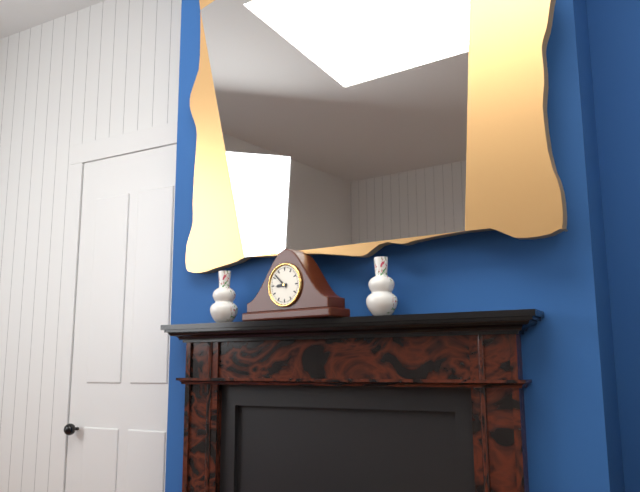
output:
8:52
